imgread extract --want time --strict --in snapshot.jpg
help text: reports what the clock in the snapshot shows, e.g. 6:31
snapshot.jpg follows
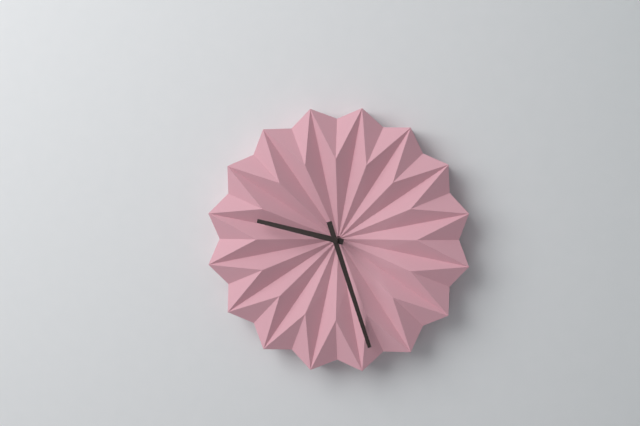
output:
9:27
